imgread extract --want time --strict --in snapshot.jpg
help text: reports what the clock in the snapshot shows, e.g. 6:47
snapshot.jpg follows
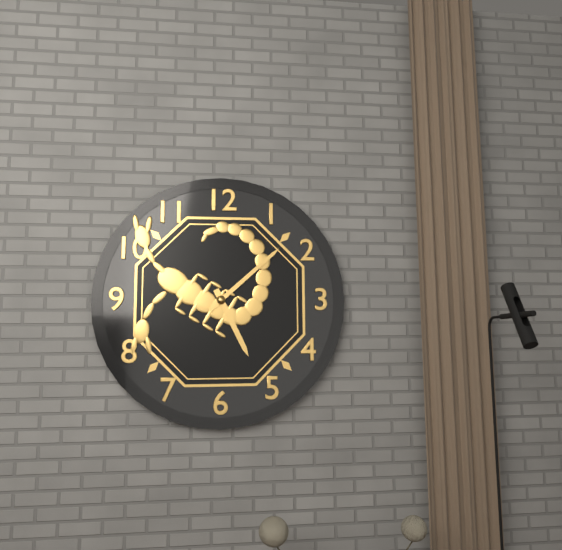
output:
5:08
